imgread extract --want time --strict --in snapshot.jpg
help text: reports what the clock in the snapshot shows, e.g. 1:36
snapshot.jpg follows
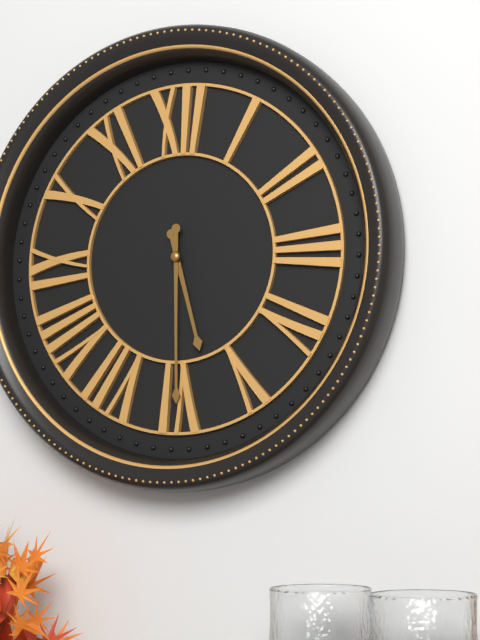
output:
5:30
